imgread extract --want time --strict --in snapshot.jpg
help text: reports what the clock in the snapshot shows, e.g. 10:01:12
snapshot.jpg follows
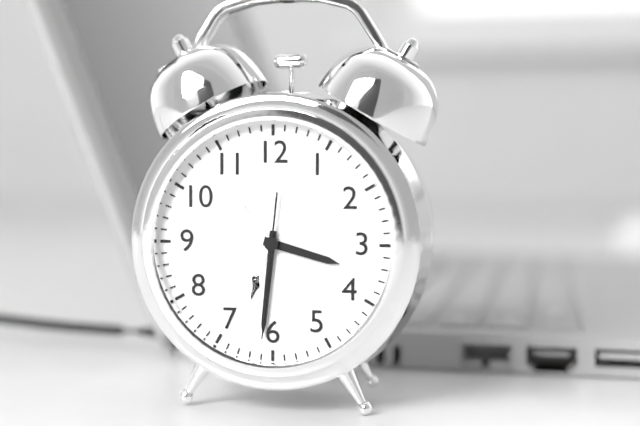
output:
3:31:31
